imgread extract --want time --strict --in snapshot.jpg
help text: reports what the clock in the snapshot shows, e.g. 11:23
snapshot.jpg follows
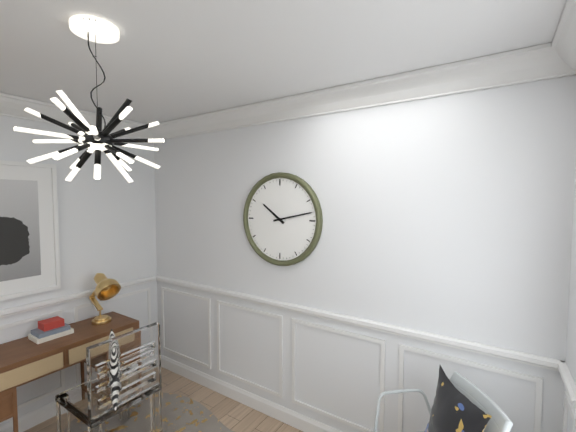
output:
10:13
